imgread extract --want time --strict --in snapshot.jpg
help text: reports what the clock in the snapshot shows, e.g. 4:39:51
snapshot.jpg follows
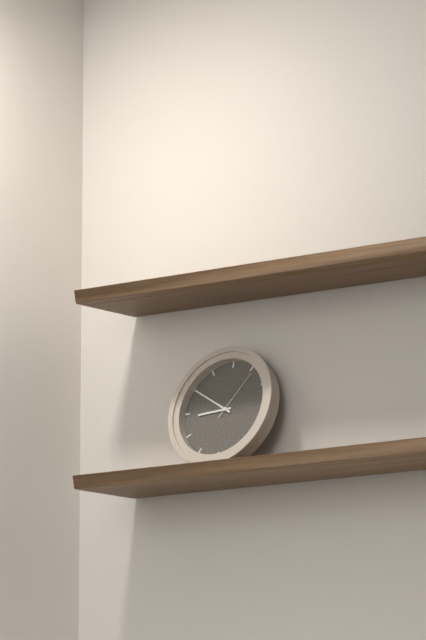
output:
8:50:06
